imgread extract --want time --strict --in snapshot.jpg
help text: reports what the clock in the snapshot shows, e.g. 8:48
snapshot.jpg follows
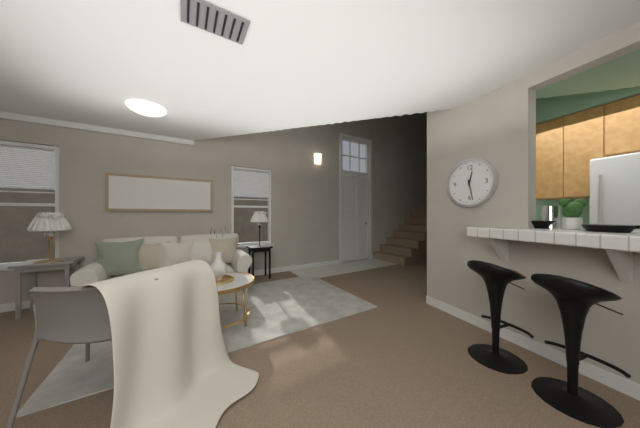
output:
12:28
